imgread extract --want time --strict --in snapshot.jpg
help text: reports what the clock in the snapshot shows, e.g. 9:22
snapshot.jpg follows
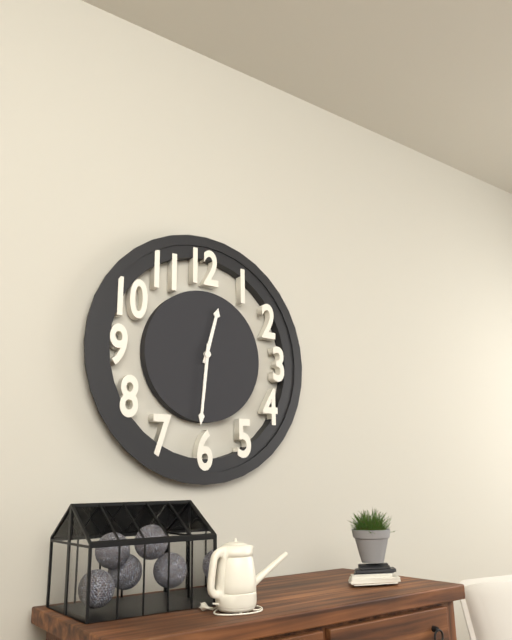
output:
12:31
